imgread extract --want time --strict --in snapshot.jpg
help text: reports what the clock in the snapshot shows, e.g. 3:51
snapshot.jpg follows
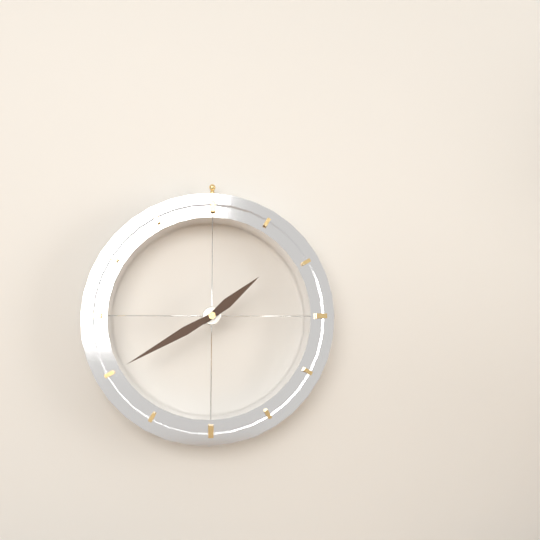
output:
1:40
